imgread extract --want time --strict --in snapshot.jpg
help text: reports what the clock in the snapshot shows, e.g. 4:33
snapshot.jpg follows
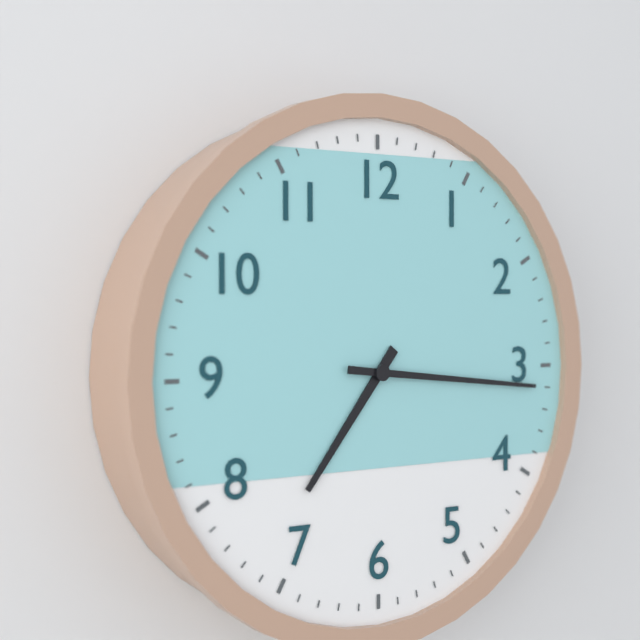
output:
7:16
